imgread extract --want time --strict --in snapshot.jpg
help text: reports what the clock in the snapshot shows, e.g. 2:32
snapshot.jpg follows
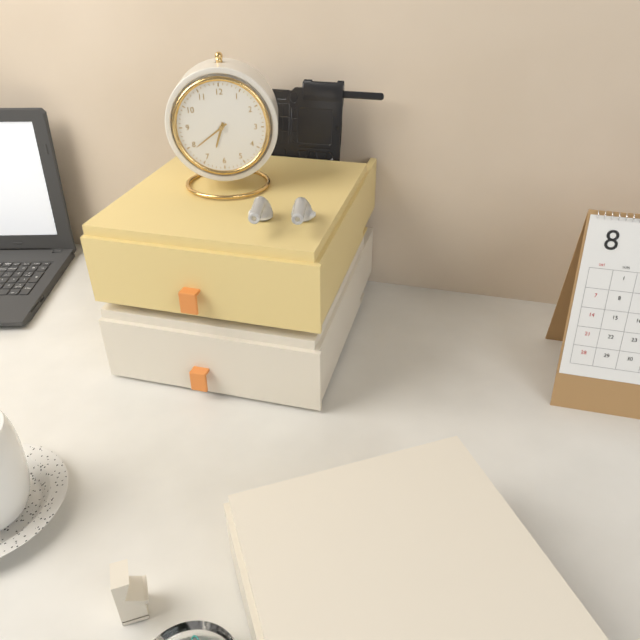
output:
6:39
